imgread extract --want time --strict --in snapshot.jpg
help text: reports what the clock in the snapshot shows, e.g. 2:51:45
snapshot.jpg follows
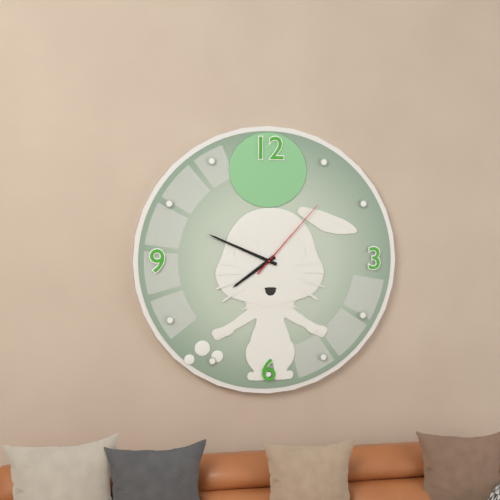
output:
7:49:07
